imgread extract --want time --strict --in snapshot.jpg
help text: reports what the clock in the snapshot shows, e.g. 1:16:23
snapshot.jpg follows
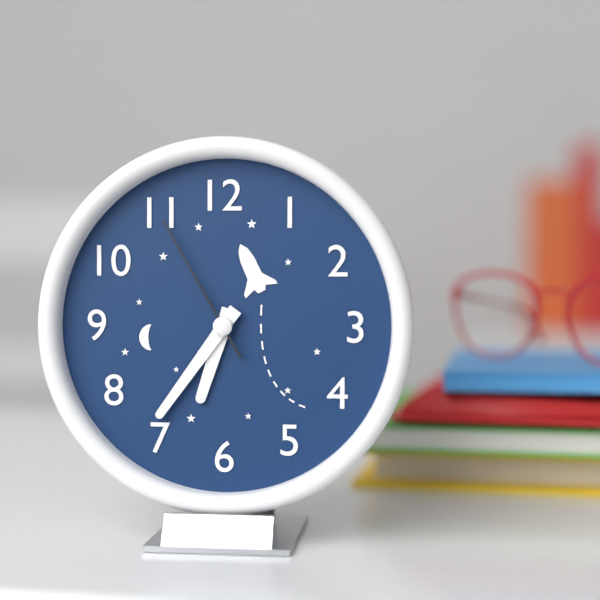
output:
6:36:55
